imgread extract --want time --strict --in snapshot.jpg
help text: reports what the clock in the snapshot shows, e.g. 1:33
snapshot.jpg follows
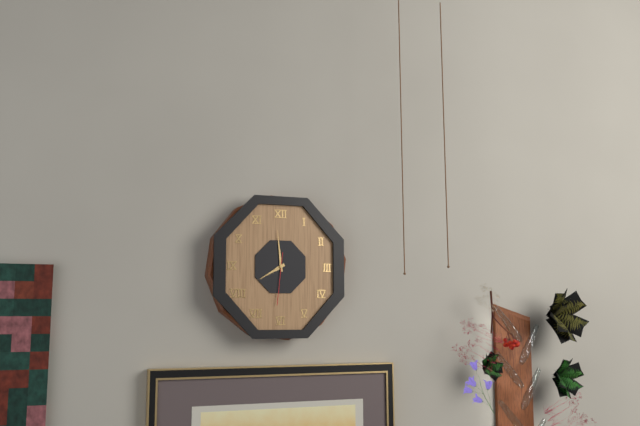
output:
7:59
